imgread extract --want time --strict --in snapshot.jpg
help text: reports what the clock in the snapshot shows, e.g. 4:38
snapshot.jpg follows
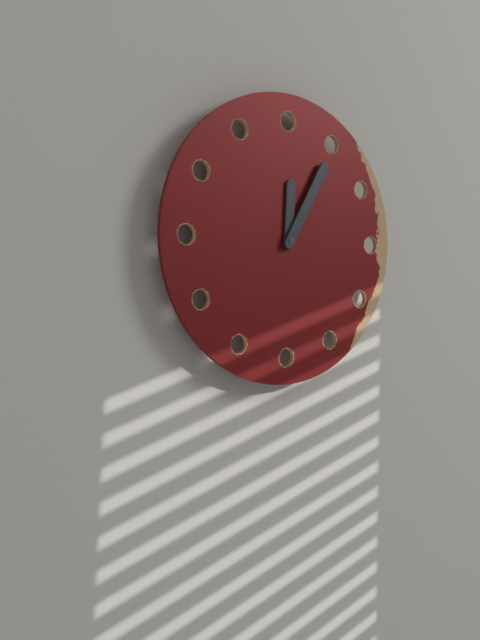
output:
12:05
